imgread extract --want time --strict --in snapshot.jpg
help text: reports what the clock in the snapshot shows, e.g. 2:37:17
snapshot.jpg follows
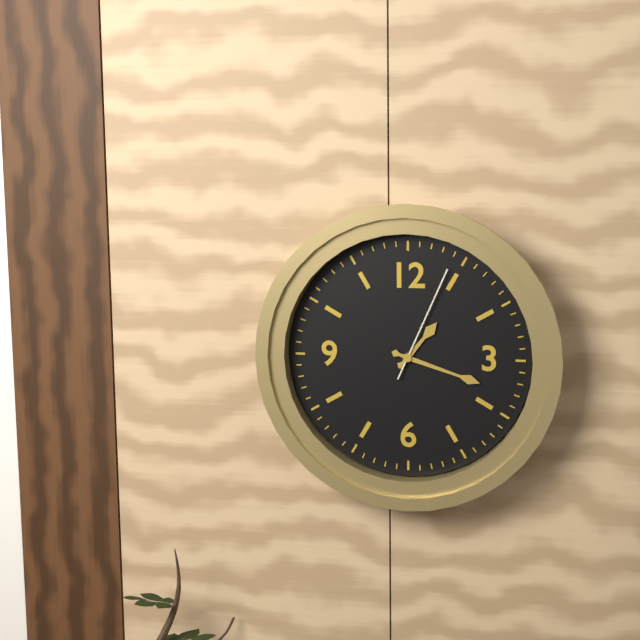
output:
1:18:04
